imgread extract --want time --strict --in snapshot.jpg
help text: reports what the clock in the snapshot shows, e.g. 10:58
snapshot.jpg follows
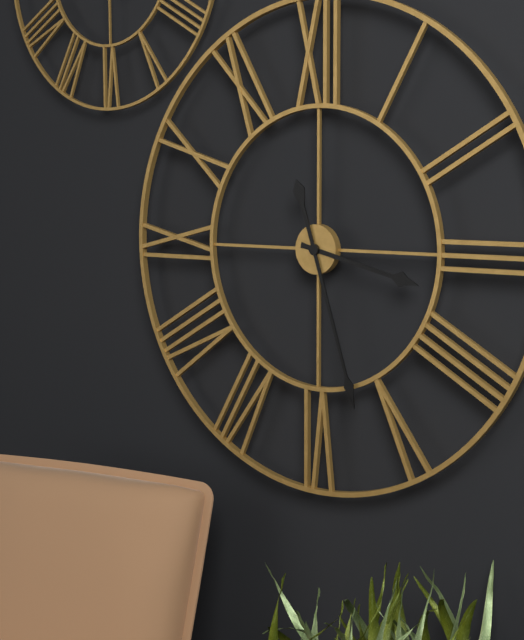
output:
3:27
